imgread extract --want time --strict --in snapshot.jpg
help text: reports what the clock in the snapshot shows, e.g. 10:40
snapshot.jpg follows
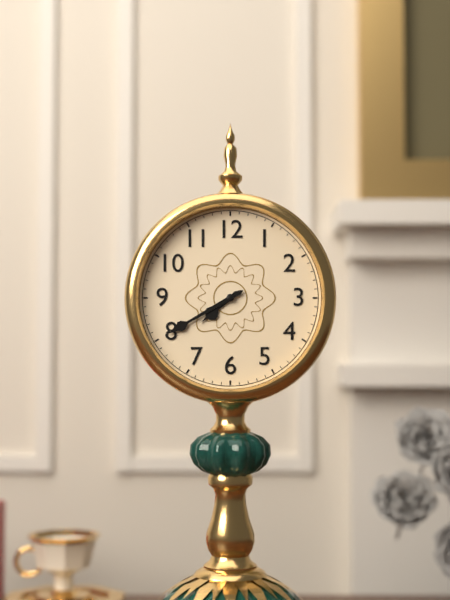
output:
7:40
